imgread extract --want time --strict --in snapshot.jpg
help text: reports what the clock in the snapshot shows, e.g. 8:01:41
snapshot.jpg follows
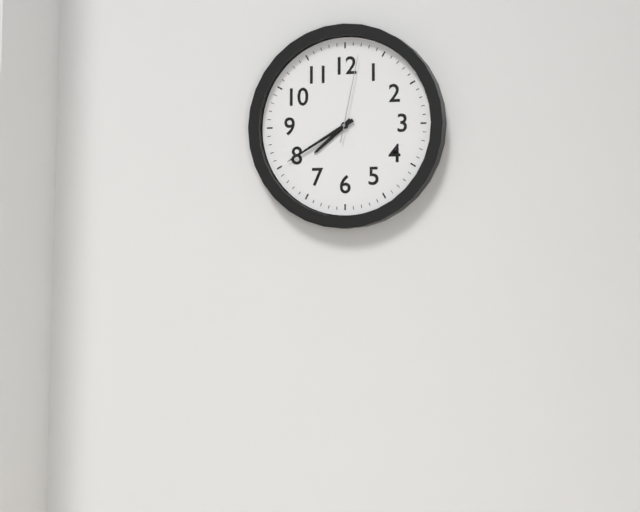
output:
7:40:02
